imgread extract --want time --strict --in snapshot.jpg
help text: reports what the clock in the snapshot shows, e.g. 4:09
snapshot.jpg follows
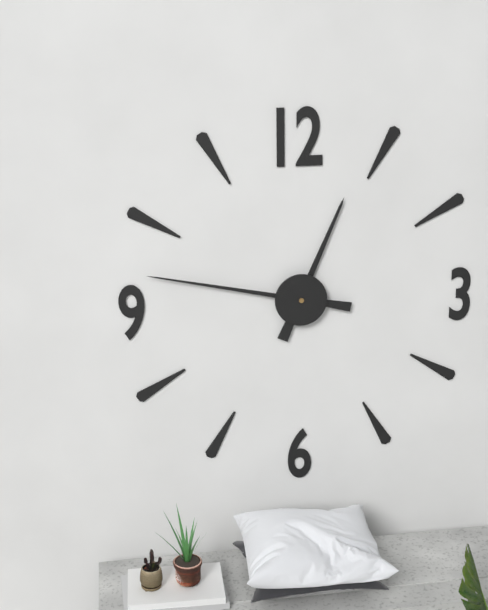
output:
12:47
